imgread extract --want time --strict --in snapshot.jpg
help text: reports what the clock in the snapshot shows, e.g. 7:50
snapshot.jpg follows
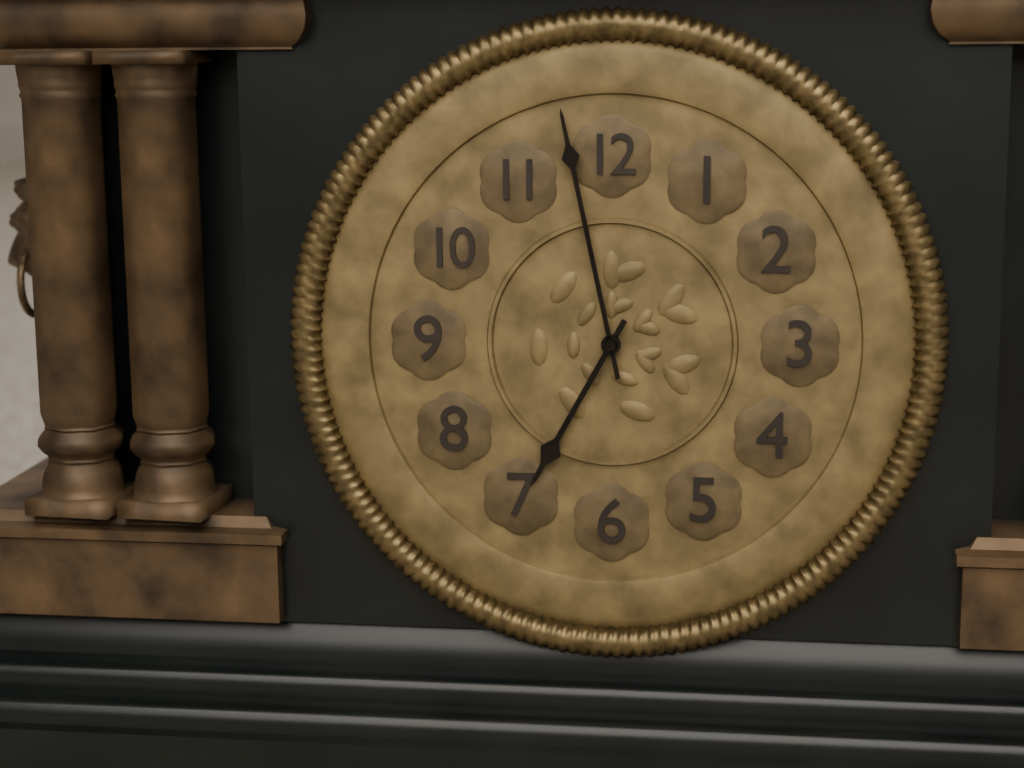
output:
6:58
